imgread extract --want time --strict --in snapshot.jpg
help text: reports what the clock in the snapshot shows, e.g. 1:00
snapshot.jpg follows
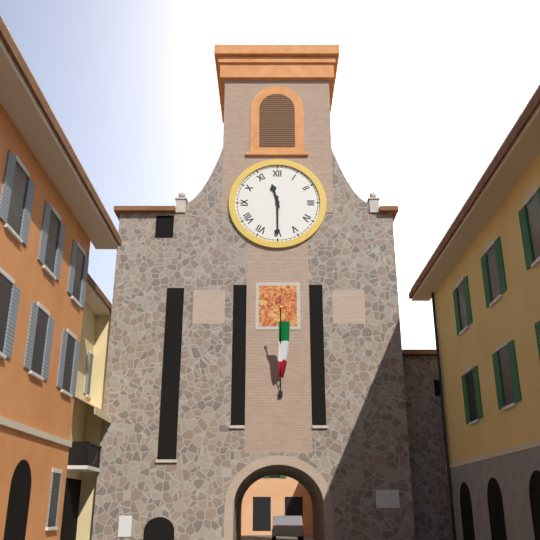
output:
11:30
